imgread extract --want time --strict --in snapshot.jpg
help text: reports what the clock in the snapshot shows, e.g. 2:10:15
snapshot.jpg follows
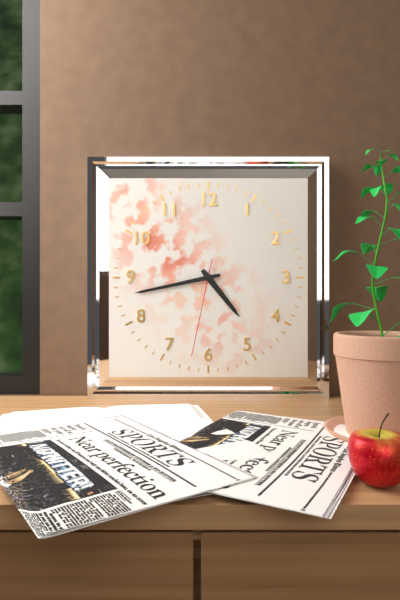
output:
4:43:32
